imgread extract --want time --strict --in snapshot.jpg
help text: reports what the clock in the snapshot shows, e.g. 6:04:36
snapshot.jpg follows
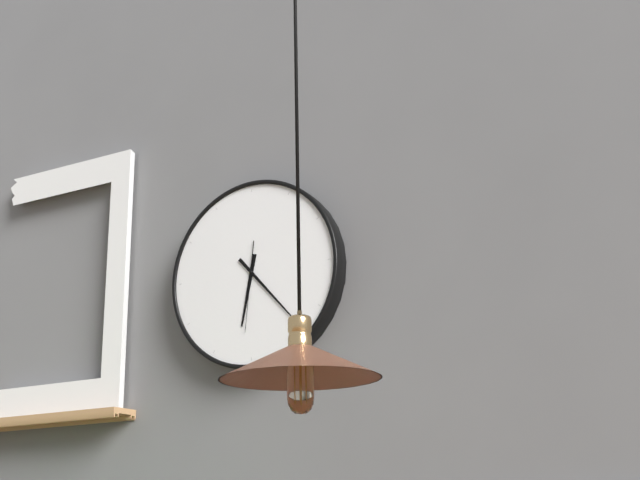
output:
6:23:31
